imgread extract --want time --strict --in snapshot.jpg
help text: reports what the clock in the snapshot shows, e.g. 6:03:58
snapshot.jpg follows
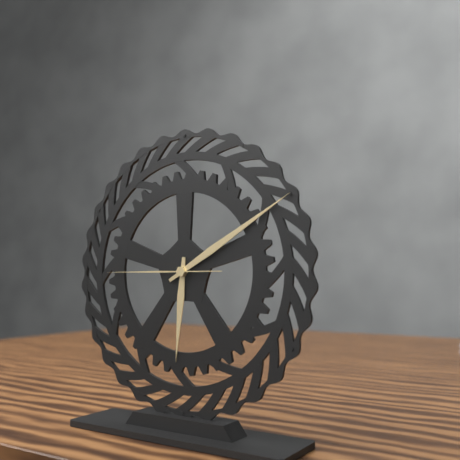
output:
6:10:45
